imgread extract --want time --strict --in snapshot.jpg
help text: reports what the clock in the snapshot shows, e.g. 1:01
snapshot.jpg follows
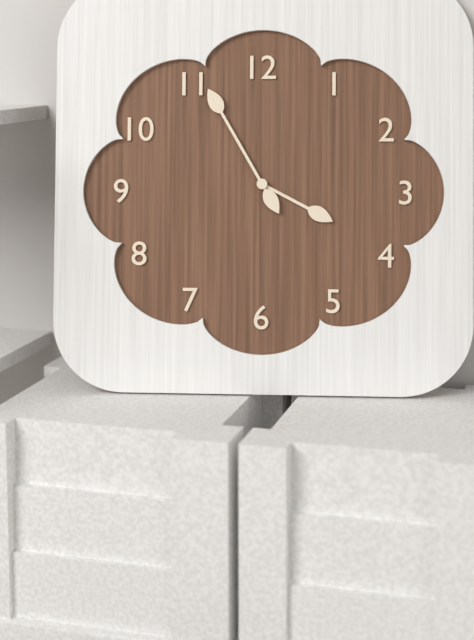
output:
3:55
